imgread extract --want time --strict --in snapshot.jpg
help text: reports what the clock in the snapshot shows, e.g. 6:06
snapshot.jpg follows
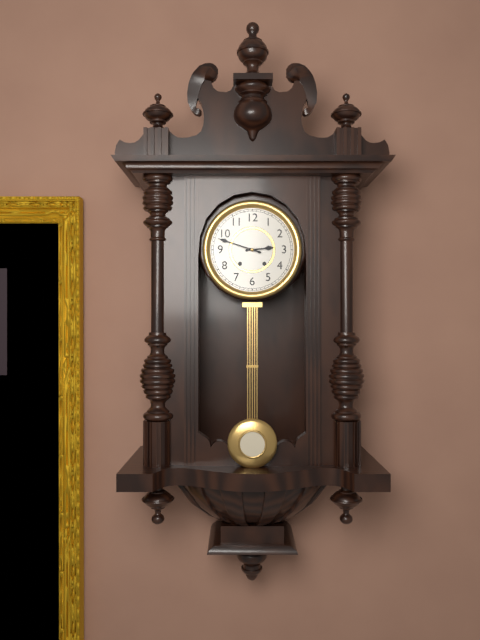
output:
2:48
